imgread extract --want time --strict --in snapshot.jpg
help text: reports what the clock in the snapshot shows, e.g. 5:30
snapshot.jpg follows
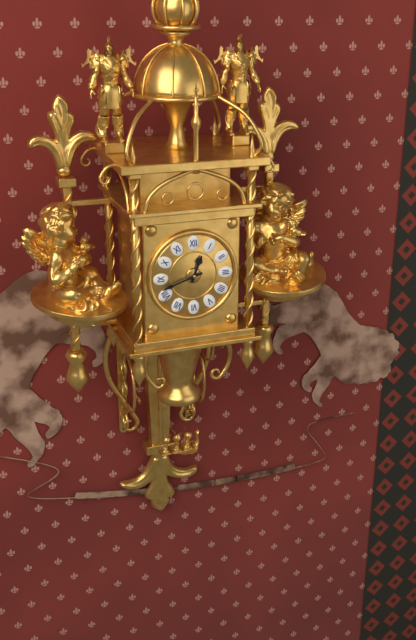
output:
12:42
